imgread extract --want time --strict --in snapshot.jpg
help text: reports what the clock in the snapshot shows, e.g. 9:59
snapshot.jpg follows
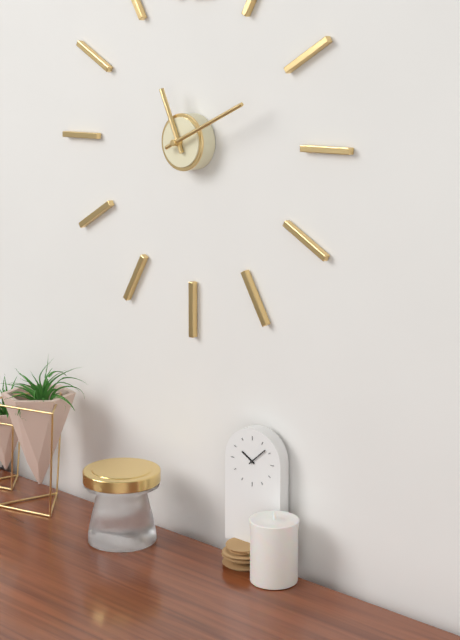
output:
11:11
